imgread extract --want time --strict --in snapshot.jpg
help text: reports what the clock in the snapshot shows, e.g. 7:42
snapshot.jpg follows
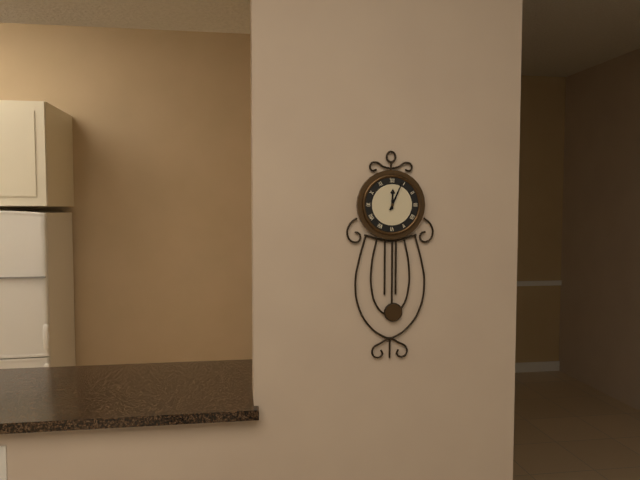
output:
12:04
